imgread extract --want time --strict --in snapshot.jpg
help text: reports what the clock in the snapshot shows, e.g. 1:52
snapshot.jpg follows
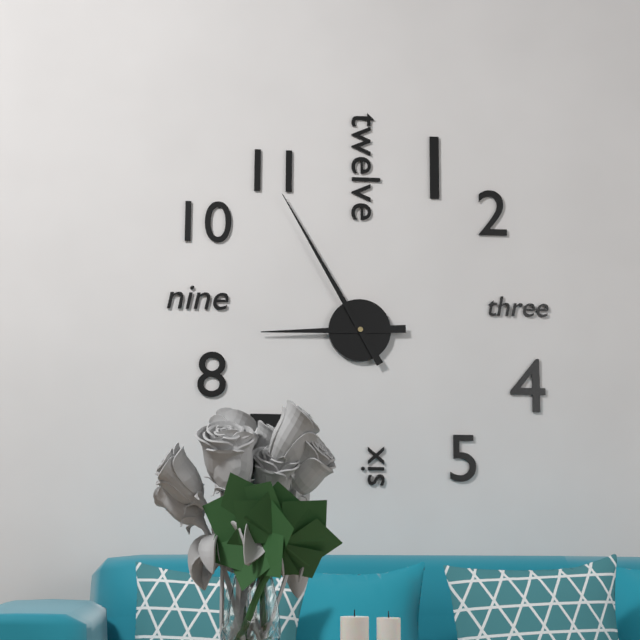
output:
8:55
